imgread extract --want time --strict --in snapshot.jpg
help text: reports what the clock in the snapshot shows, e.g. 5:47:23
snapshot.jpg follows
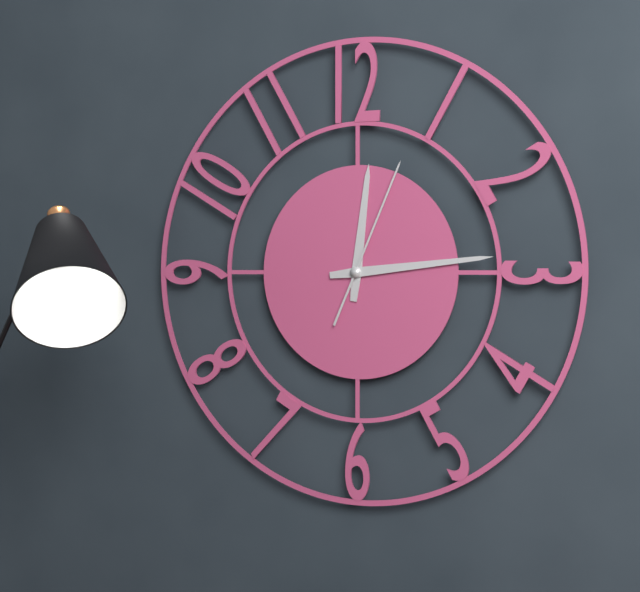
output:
12:14:04
